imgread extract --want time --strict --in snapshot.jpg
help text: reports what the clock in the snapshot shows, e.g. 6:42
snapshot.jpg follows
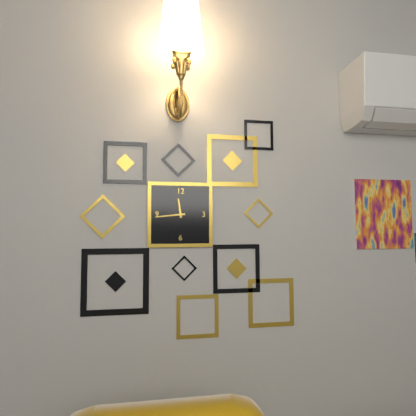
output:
11:44
